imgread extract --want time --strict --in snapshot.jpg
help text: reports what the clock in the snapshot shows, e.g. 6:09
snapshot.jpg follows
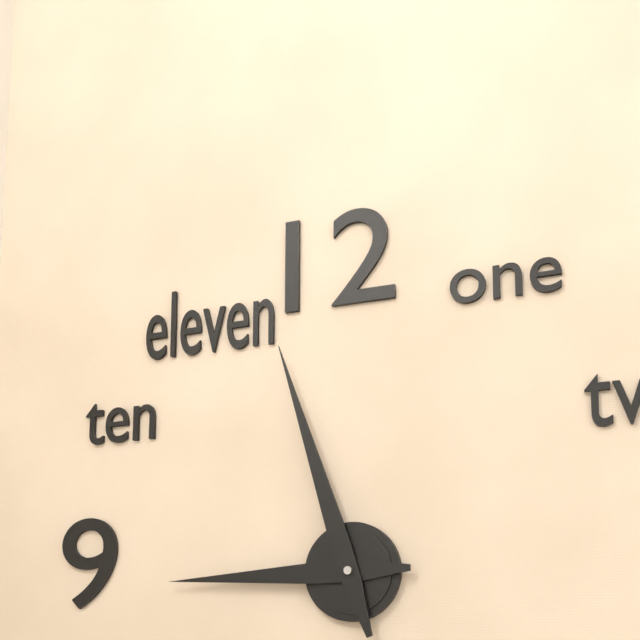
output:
8:57
